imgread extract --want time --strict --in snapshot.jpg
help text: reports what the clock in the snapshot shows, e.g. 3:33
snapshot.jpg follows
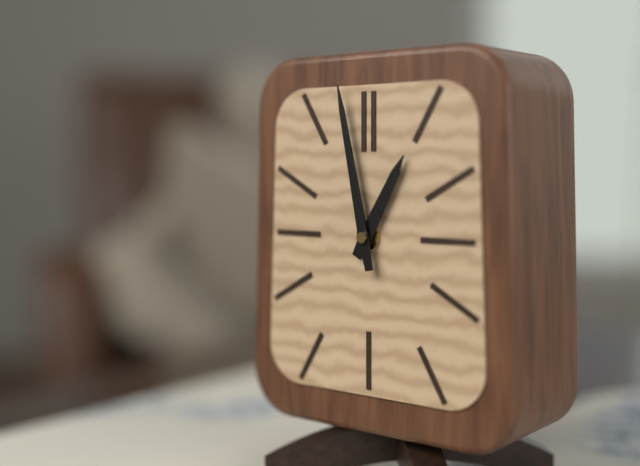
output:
12:58
